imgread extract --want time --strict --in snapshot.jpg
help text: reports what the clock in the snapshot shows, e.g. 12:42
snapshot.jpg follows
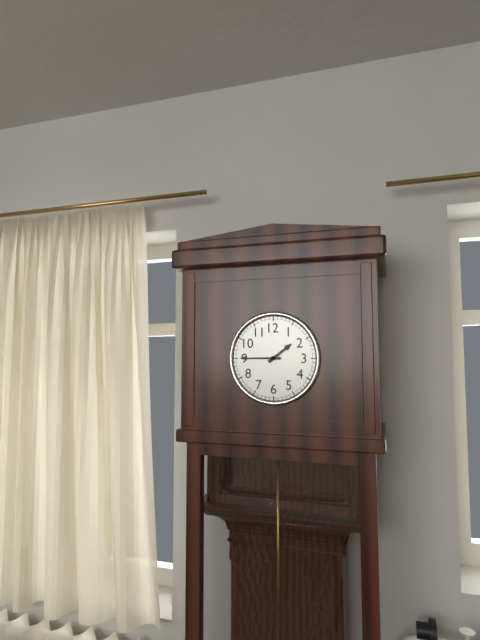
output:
1:45
